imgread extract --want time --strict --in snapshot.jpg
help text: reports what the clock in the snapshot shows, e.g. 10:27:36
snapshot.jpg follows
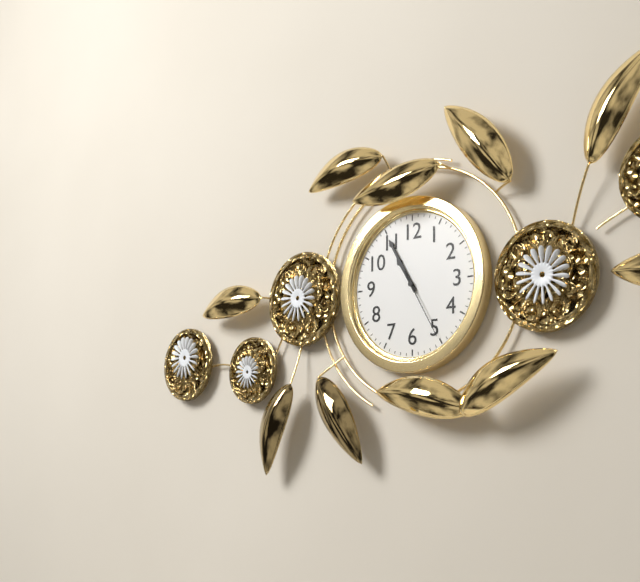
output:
10:55:25
